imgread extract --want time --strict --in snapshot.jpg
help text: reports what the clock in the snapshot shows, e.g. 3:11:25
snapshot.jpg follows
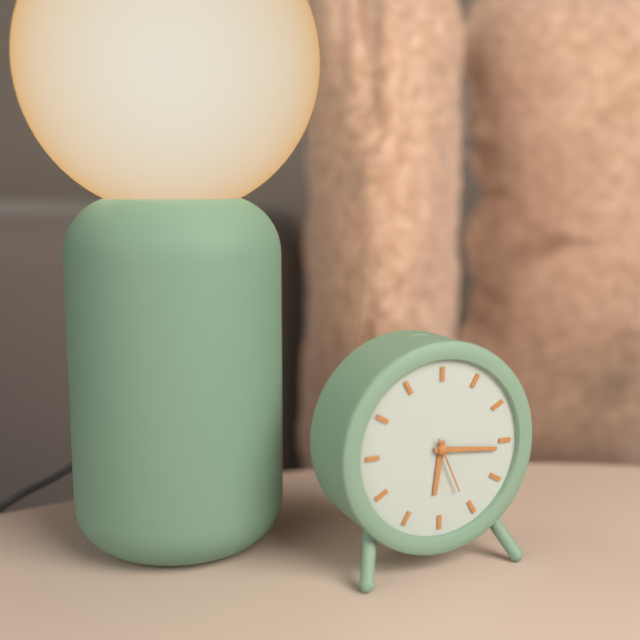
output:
6:16:26
